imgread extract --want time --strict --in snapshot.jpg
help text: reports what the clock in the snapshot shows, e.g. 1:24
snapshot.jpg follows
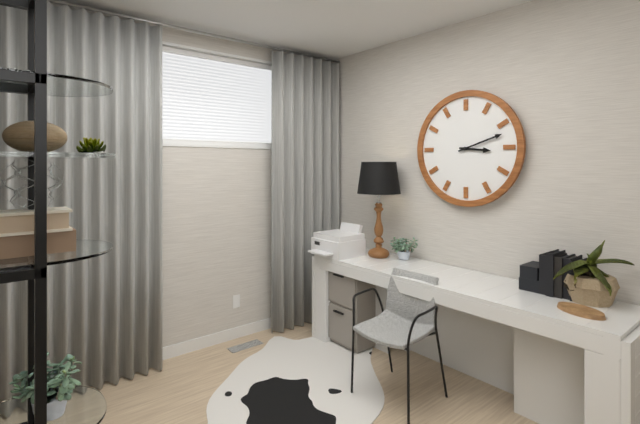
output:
3:12
